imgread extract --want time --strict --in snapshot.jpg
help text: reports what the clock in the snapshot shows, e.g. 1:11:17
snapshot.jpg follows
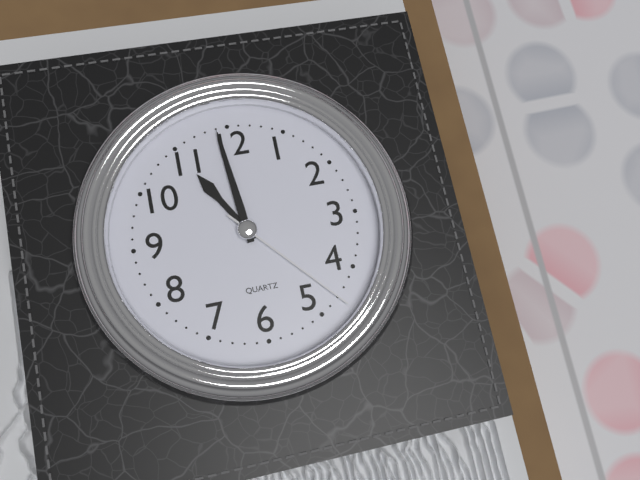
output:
10:59:23
